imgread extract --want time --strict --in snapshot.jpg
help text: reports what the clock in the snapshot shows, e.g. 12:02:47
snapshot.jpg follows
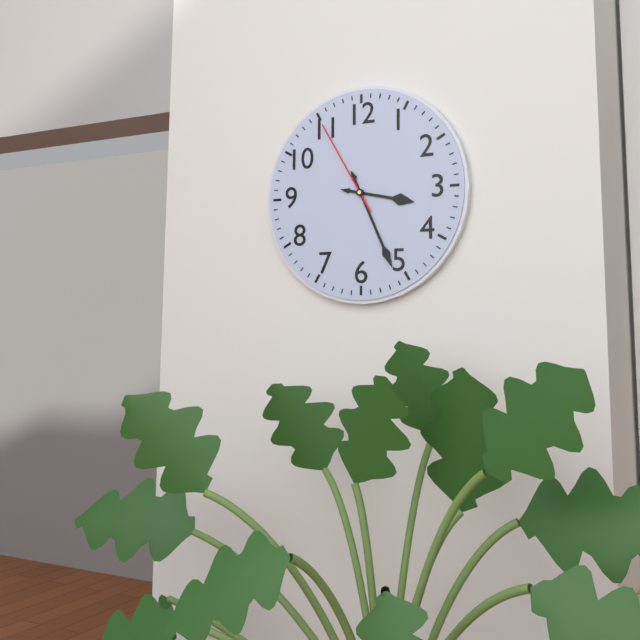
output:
3:26:55
